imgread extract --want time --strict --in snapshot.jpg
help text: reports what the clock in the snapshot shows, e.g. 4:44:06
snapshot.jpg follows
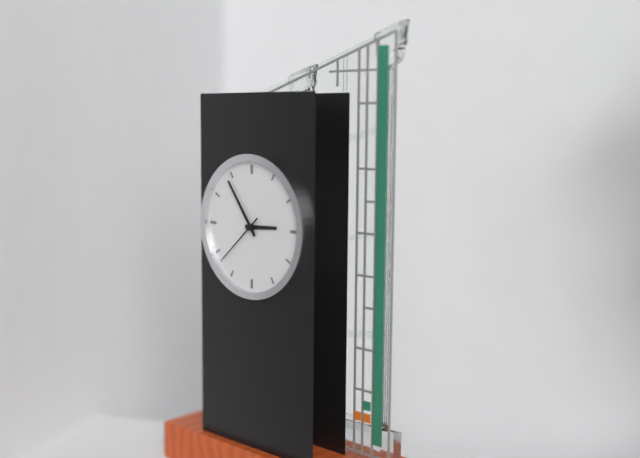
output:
2:54:38
